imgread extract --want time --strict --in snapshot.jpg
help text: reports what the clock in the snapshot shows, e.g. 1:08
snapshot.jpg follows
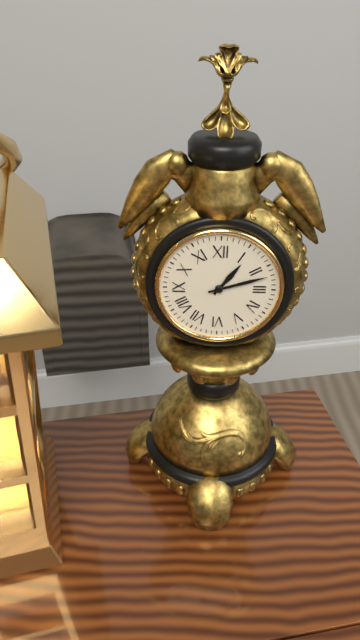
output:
1:12
